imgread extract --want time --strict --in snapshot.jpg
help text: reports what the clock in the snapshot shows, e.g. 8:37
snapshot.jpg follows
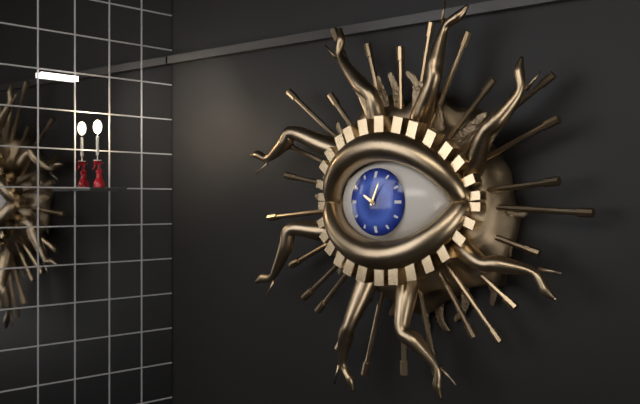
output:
10:04
